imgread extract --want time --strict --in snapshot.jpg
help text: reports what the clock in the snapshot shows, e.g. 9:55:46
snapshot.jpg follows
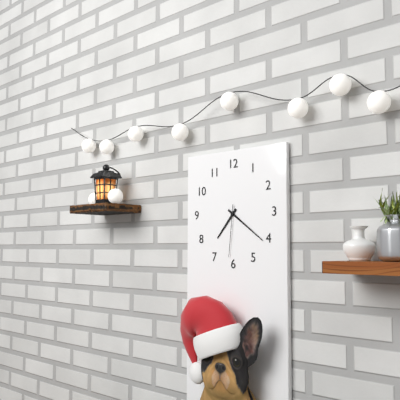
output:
7:21:31
